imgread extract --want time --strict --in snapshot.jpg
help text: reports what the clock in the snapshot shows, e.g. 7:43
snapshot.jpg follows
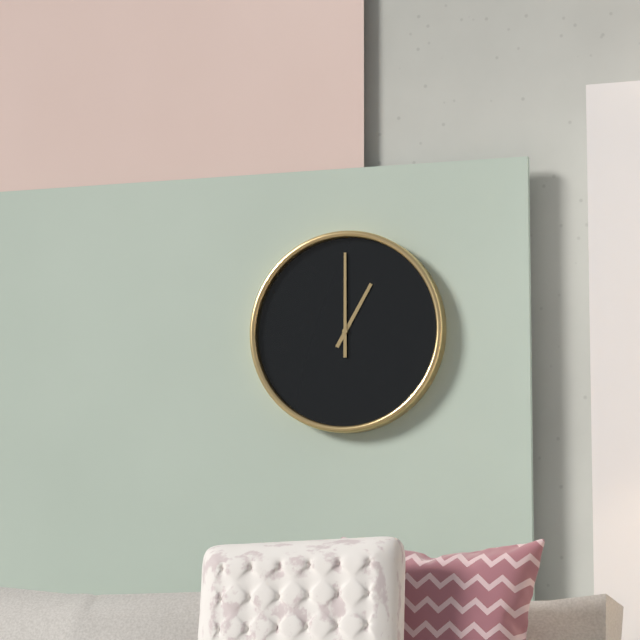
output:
1:00
